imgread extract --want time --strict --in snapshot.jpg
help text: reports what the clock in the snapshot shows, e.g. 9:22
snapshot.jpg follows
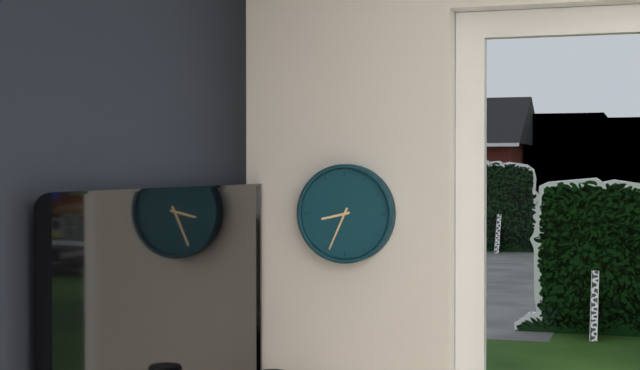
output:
8:34
